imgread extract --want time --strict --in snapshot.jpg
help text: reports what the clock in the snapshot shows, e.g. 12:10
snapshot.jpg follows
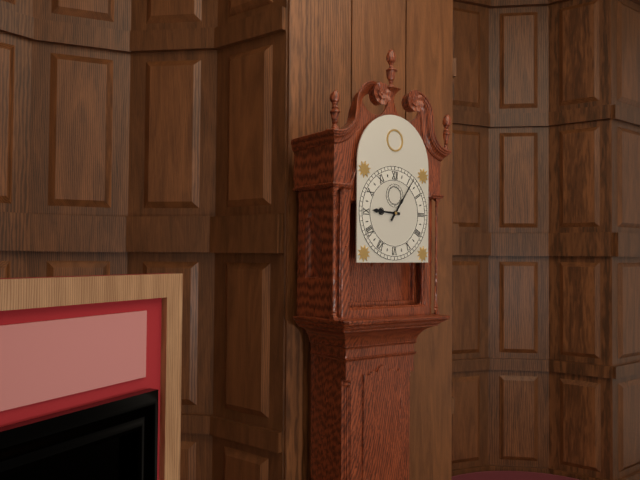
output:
9:06
